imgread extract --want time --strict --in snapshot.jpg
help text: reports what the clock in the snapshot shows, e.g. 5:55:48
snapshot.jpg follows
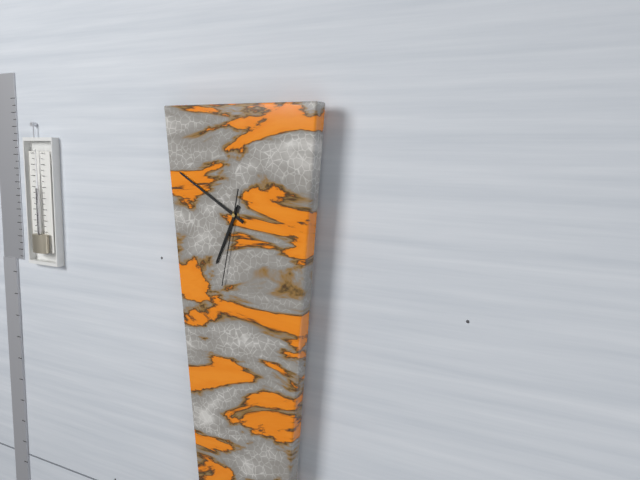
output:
6:50:32
